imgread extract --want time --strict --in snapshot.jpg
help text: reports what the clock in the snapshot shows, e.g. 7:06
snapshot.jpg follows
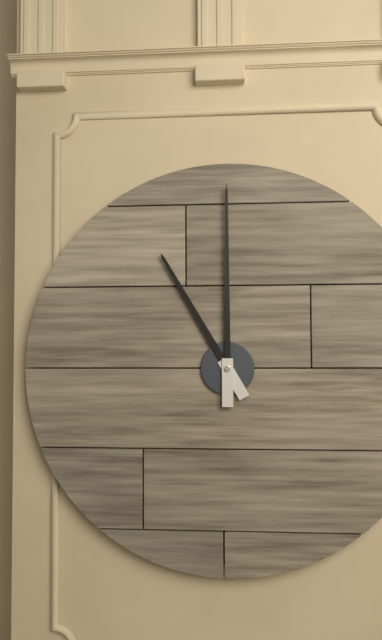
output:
11:00
